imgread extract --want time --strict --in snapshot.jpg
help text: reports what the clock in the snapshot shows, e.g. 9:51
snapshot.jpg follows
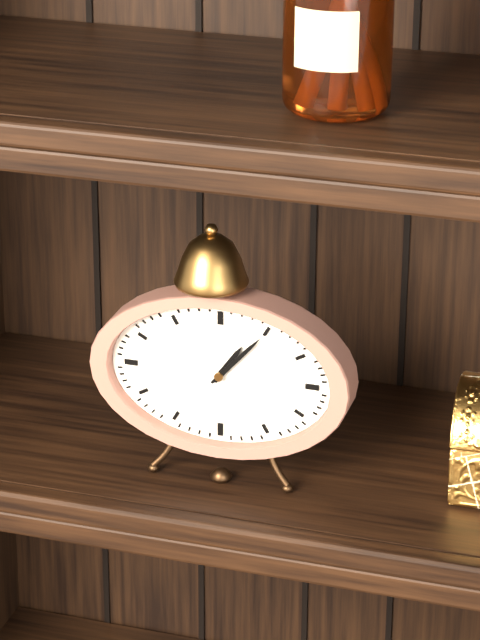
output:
1:07
